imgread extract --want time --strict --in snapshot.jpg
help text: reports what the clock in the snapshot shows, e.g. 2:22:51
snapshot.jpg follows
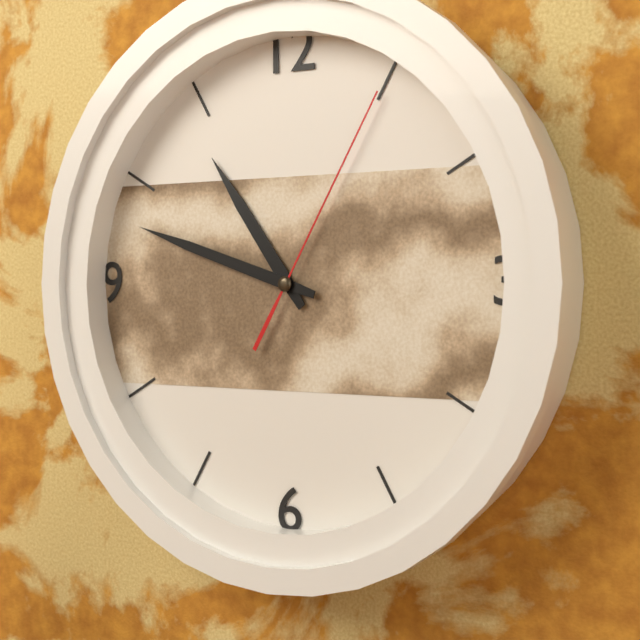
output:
10:48:05
